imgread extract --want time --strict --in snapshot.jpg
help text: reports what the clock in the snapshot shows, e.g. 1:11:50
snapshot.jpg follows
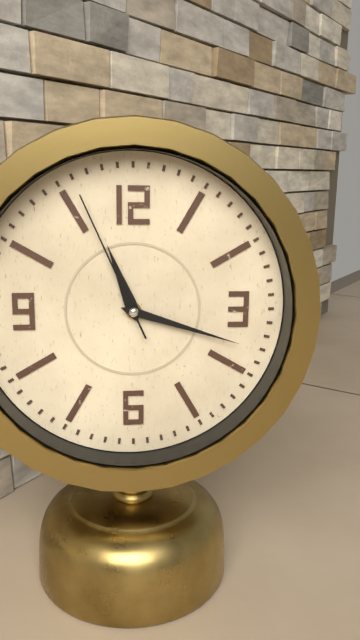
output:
11:18:56
